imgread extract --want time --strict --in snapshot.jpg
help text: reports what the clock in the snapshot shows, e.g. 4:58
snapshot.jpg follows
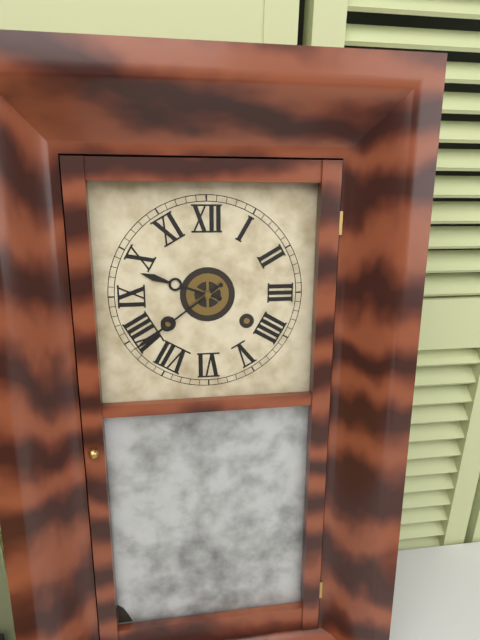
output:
9:39
